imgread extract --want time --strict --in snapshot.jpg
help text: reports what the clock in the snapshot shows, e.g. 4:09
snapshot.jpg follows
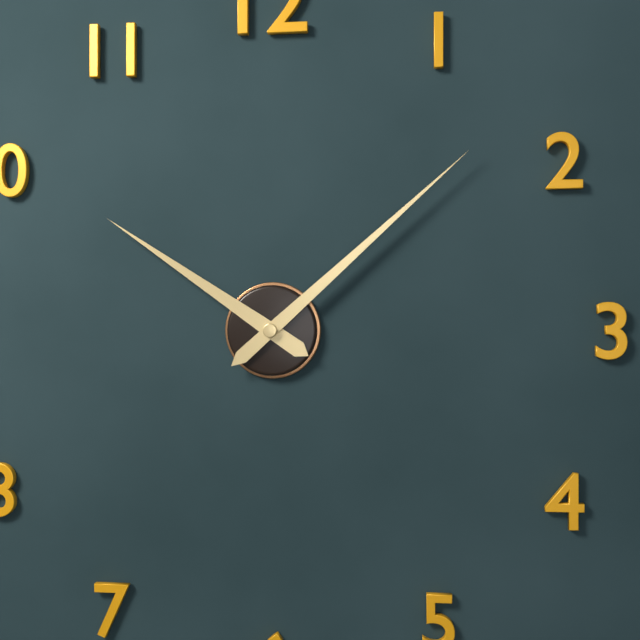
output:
10:08
